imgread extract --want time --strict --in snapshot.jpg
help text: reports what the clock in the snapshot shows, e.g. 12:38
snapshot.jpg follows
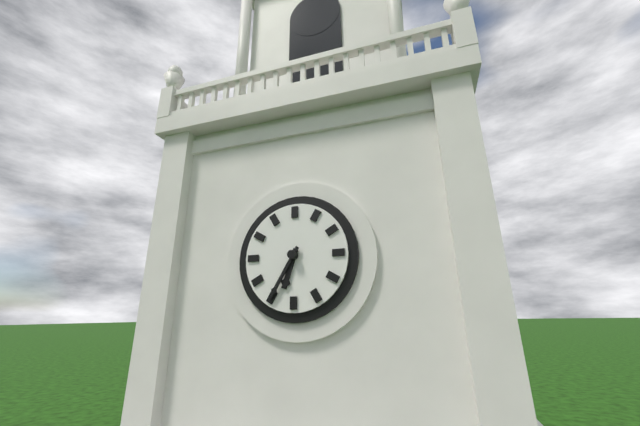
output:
6:35
